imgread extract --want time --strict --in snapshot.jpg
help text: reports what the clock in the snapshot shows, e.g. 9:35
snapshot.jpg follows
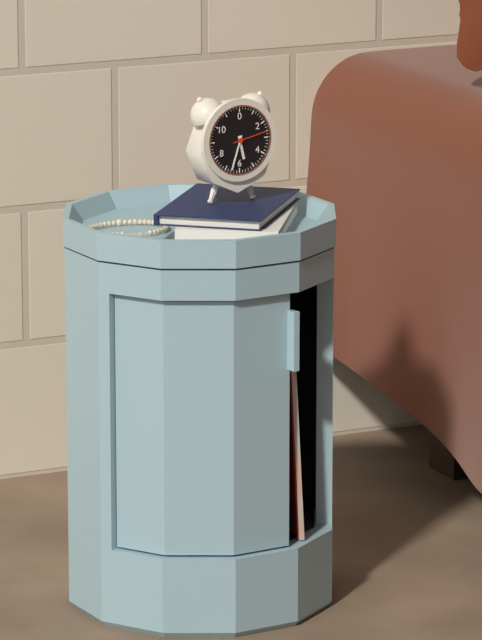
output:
5:33
